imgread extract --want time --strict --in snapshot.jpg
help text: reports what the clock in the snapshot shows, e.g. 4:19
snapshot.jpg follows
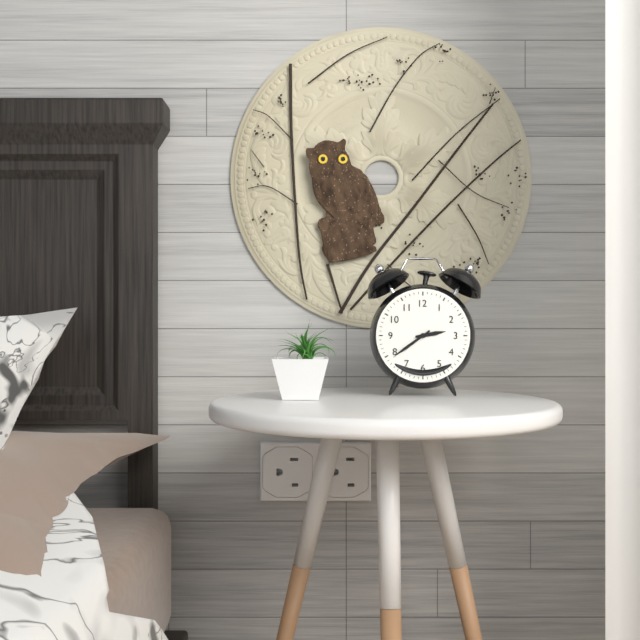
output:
2:39
